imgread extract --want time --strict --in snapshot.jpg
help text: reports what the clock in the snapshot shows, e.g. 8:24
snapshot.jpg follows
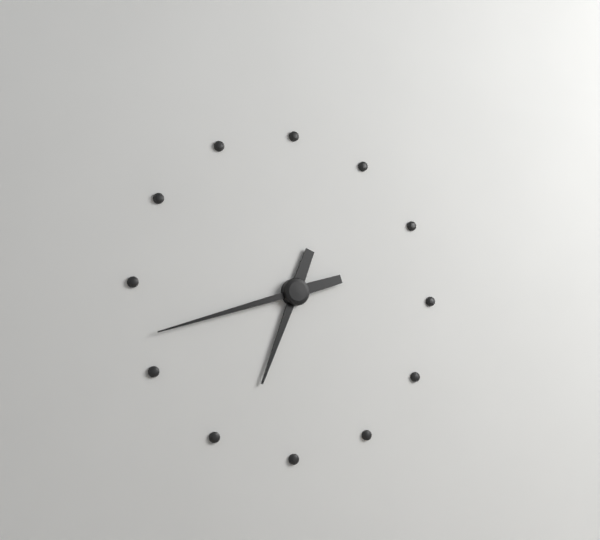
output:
6:42
